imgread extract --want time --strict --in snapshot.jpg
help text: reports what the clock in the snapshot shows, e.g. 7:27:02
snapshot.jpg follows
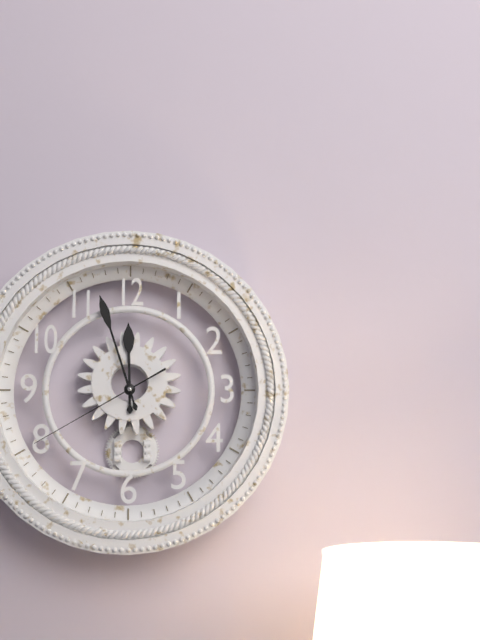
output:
11:57:40
